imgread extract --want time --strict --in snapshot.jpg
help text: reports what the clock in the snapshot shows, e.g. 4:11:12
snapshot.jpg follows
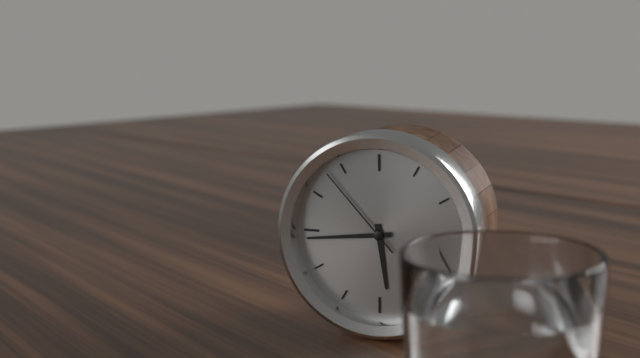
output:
5:44:53
